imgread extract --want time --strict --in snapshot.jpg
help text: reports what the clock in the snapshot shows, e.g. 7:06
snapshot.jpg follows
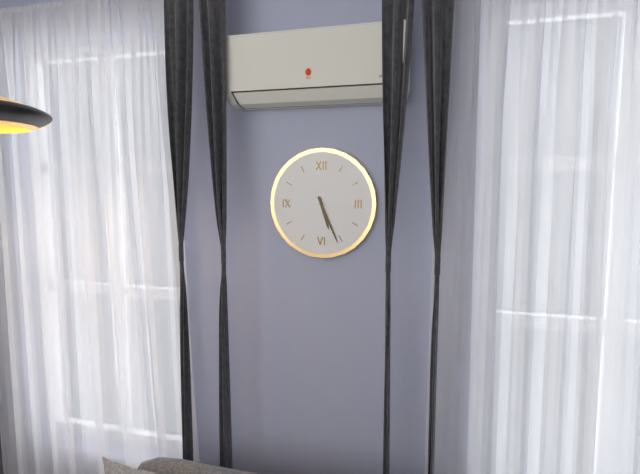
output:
5:26
